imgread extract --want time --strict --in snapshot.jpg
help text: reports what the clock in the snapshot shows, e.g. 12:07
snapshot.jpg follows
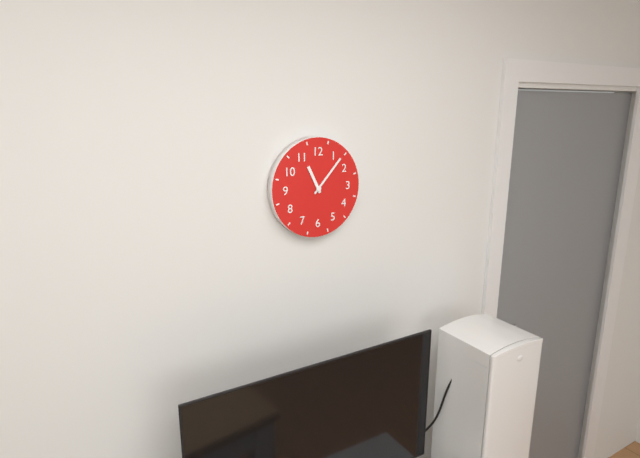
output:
11:07
